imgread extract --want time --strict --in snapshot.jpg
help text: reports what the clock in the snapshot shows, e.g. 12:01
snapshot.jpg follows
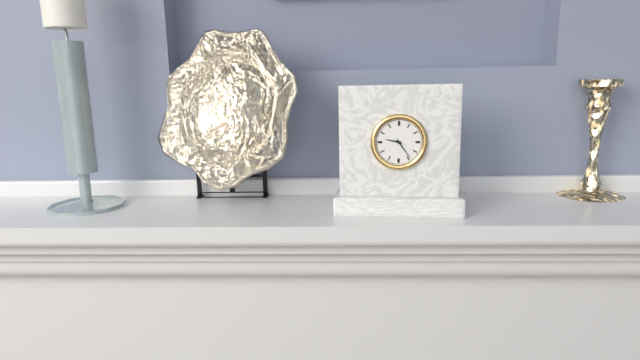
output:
9:24
